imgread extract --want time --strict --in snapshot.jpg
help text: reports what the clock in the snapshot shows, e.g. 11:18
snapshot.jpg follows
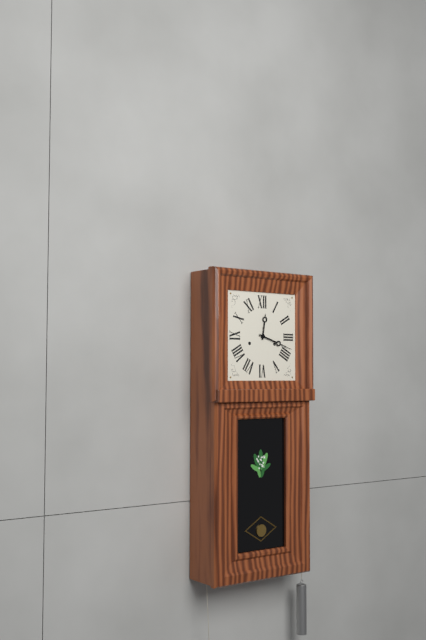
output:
12:18
